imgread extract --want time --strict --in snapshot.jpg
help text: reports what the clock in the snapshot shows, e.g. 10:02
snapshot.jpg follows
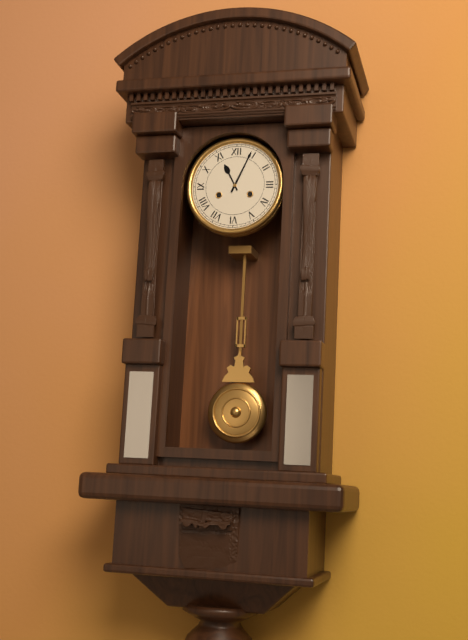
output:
11:04
